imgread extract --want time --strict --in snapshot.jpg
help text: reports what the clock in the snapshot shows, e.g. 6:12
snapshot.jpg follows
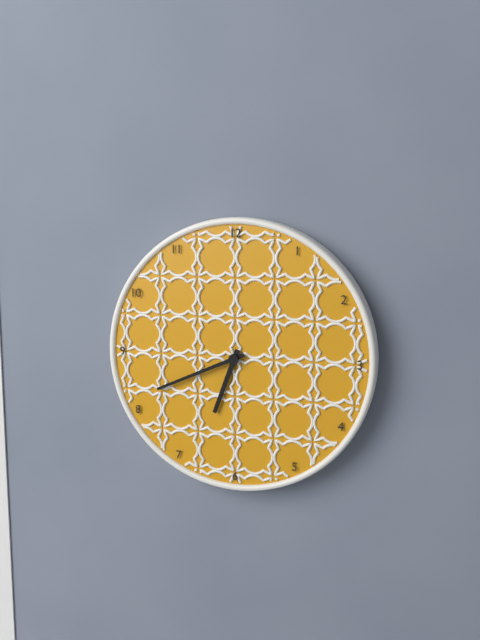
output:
6:41
